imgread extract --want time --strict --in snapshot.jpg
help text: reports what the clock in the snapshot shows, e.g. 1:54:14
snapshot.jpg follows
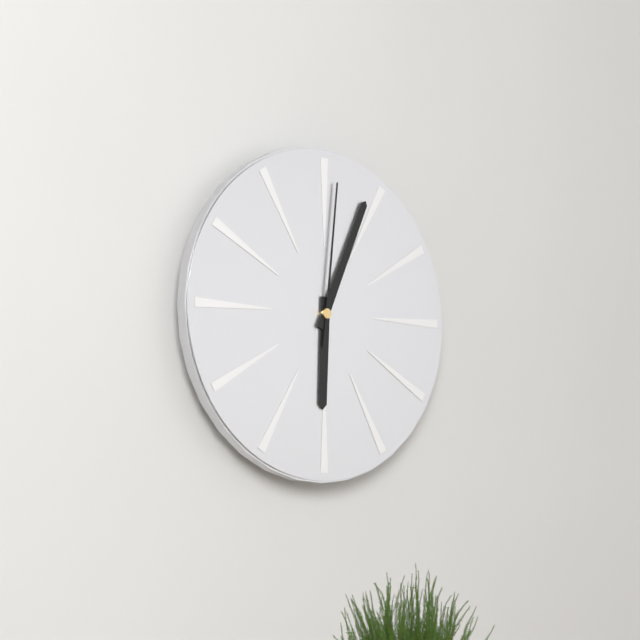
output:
6:04:01
